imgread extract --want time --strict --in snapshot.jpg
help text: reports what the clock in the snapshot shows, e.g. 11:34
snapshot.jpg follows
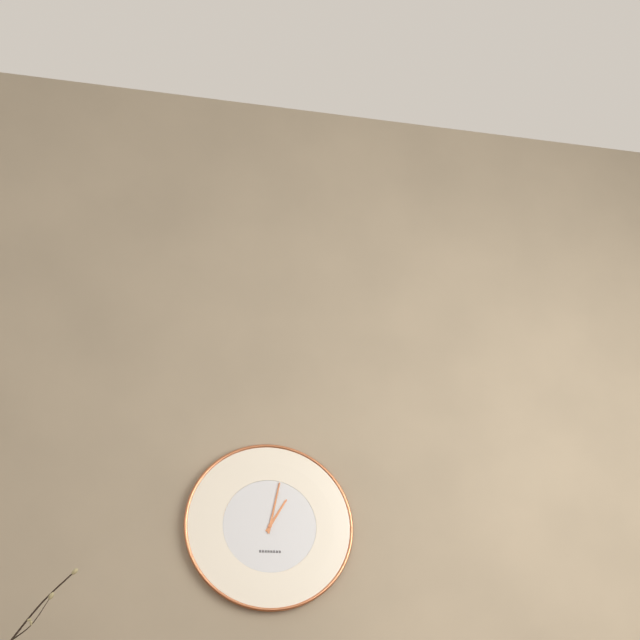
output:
1:02
